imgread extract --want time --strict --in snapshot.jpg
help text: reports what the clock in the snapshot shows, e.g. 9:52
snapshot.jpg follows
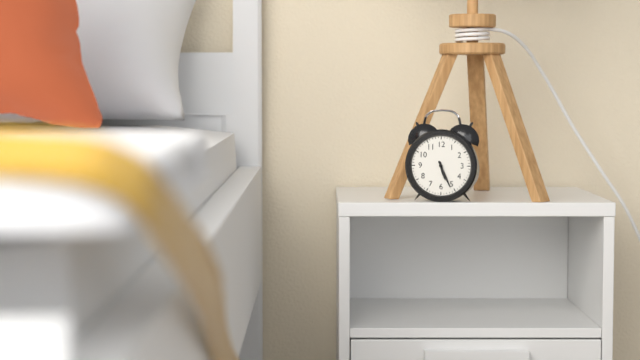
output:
5:26
